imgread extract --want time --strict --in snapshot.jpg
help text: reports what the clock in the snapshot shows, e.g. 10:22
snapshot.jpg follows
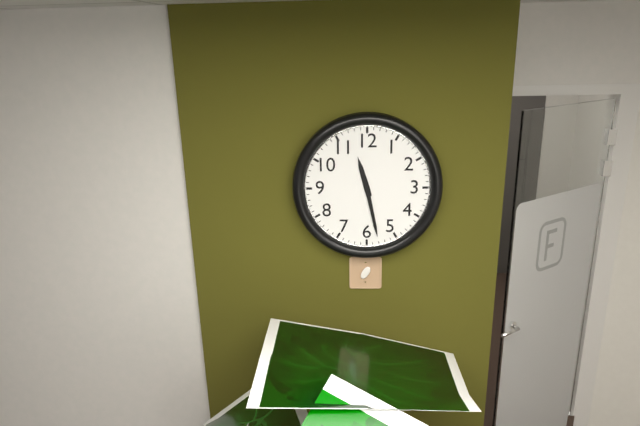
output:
11:28
